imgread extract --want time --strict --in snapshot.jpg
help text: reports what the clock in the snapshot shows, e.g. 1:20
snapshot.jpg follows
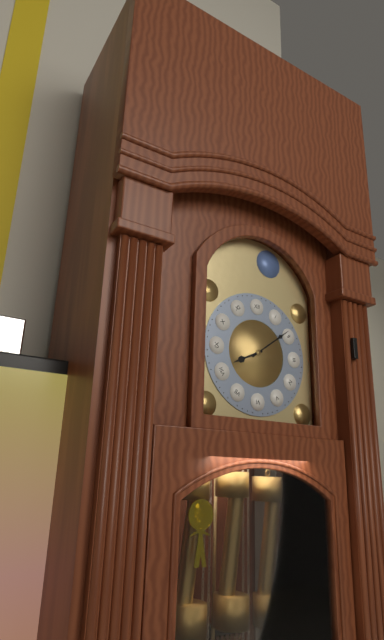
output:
8:09
